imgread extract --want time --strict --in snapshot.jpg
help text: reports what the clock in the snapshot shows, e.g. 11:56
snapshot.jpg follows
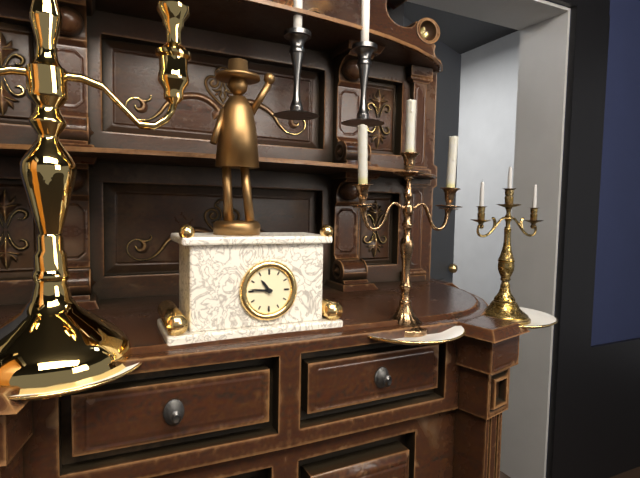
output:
10:46
